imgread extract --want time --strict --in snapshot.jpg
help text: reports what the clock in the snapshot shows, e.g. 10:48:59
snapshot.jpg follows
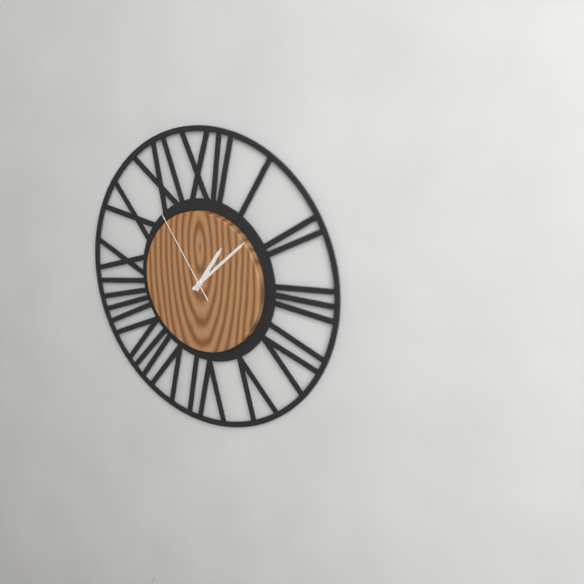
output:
1:08:54
